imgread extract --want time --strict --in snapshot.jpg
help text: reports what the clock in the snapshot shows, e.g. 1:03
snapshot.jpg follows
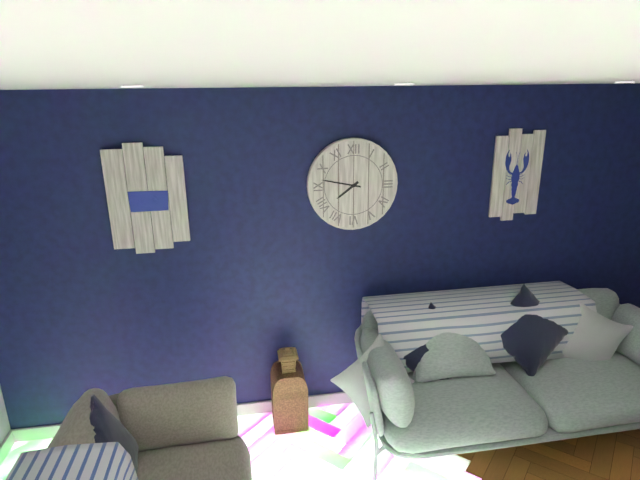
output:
7:47
